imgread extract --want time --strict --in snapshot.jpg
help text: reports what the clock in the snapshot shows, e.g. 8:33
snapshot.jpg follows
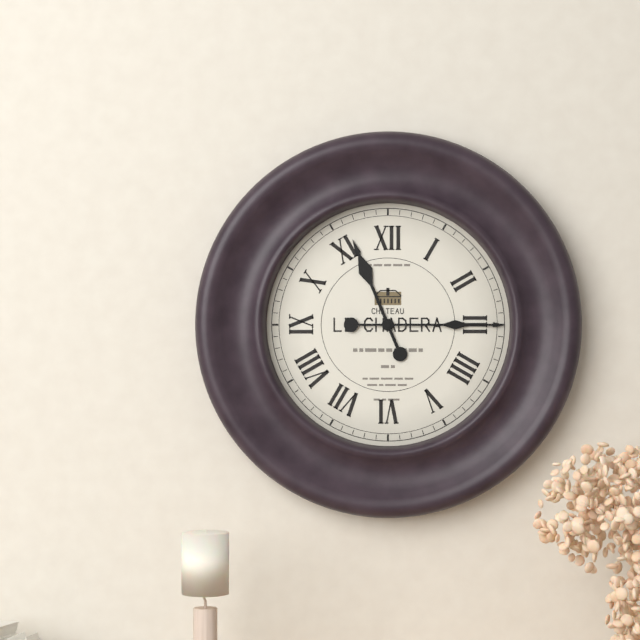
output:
11:15
